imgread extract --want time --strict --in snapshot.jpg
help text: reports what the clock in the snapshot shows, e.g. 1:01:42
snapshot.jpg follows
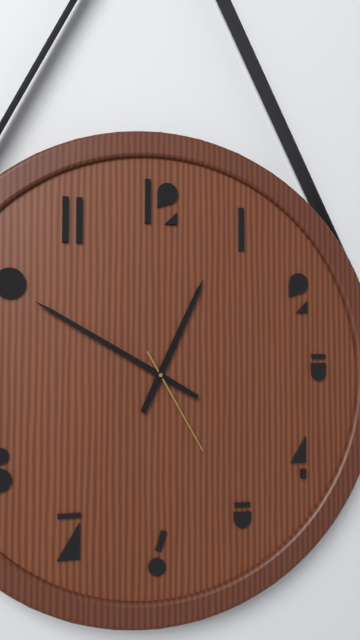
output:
12:50:25
